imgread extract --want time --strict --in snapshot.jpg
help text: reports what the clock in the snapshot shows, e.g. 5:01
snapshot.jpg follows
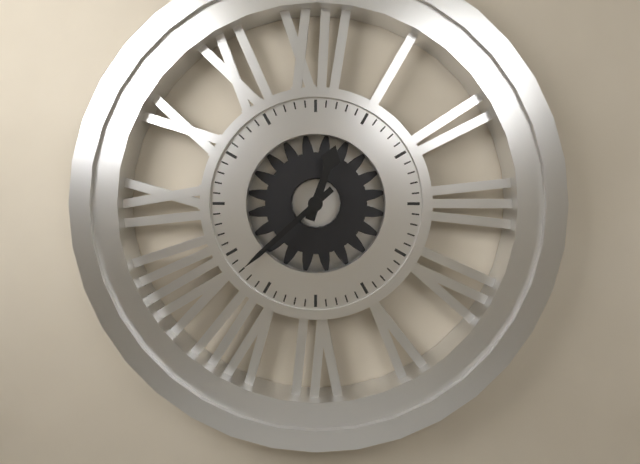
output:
12:38
